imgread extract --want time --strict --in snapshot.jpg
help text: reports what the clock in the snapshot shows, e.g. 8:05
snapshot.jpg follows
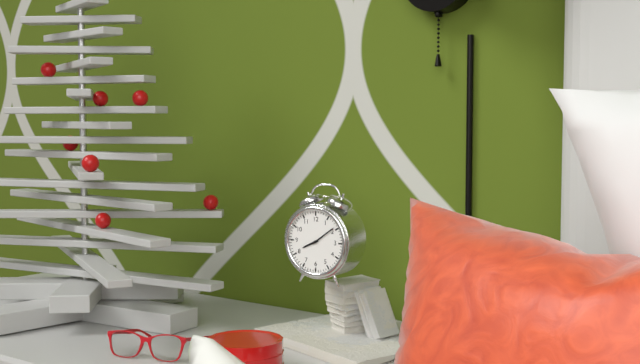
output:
8:09
